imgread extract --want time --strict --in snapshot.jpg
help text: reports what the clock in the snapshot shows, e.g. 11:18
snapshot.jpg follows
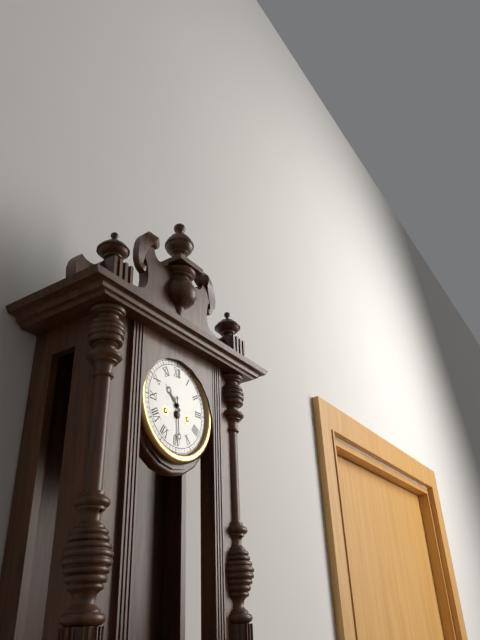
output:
10:29
